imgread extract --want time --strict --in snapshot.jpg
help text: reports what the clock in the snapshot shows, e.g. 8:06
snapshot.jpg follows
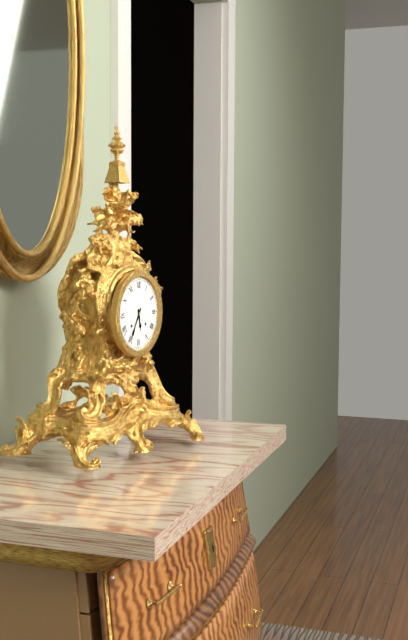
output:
5:35
